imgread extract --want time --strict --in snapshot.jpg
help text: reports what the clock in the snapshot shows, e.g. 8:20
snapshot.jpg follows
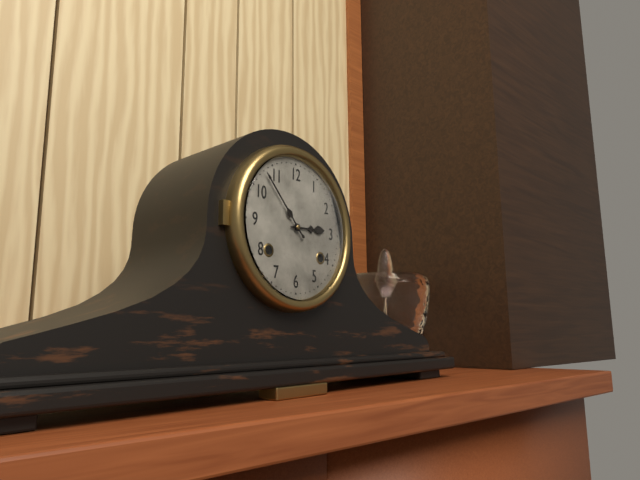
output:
2:53
